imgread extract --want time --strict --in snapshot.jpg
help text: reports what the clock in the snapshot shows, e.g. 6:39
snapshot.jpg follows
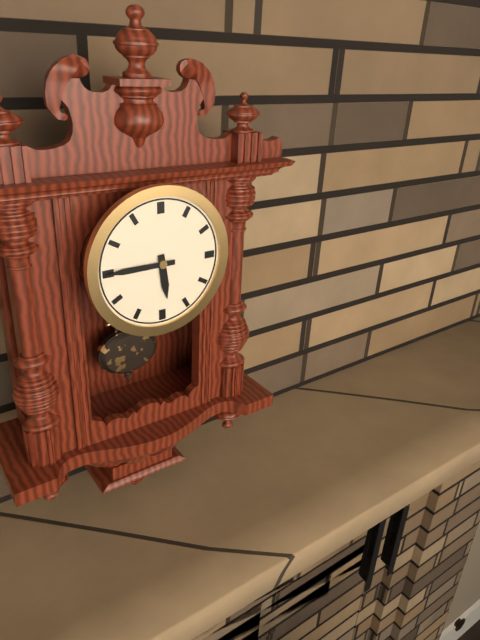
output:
5:45
